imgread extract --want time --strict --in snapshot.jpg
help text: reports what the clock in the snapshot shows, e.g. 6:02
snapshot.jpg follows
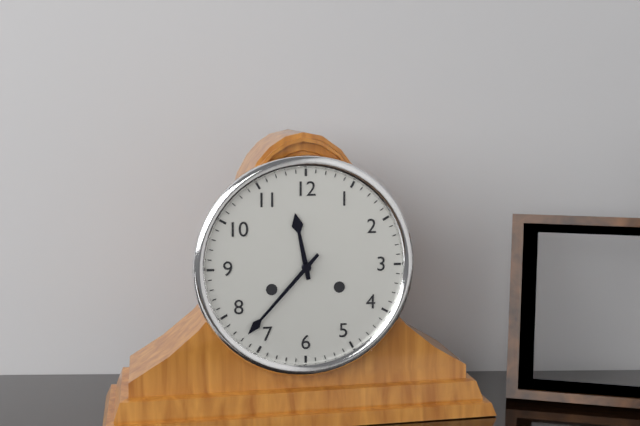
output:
11:37
